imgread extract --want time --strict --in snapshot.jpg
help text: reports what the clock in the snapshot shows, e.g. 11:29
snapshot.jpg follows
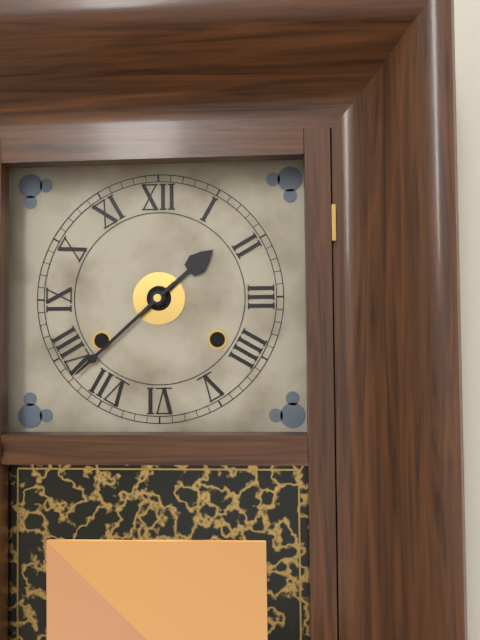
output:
1:38
